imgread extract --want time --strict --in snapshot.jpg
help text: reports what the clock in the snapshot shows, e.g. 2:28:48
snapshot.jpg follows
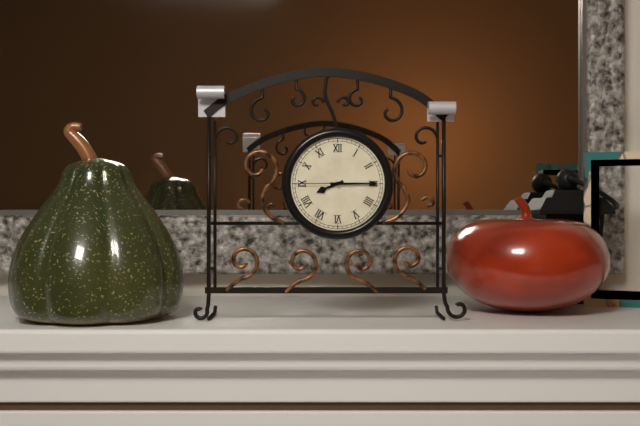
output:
8:15:45
